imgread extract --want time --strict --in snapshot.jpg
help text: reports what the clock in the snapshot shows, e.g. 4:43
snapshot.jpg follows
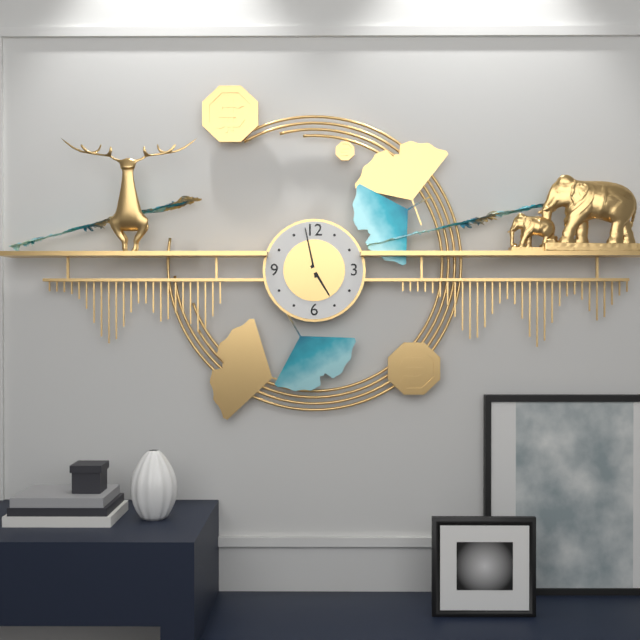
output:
4:58
